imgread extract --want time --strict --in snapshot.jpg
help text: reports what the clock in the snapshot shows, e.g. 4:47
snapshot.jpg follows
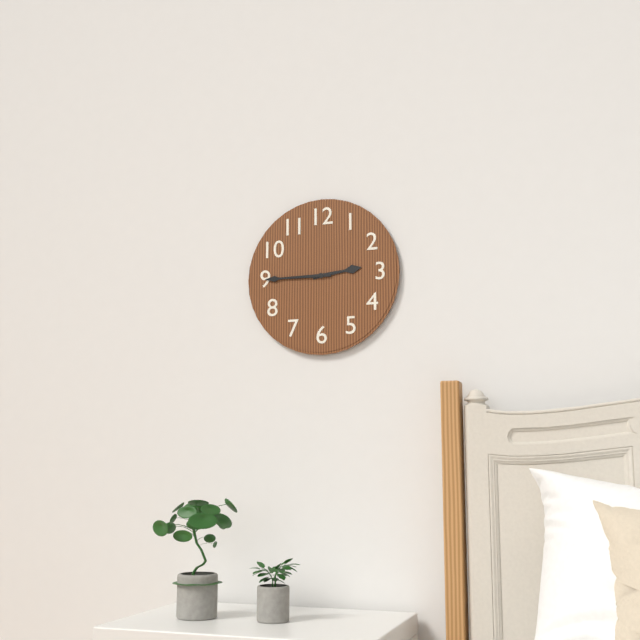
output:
2:45
